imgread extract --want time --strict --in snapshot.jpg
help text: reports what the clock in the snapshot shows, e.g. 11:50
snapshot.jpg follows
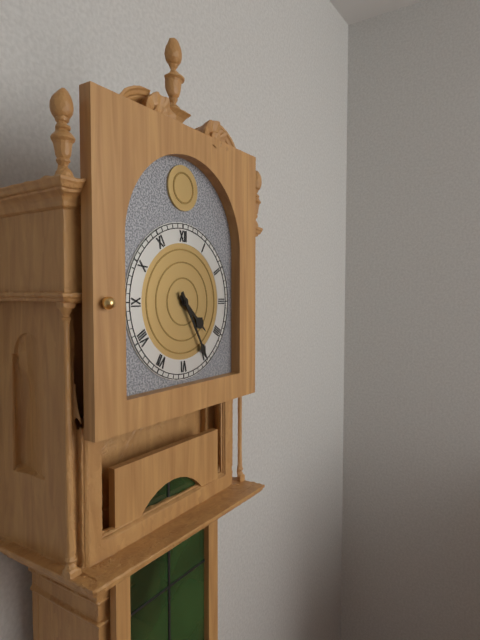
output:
4:25
